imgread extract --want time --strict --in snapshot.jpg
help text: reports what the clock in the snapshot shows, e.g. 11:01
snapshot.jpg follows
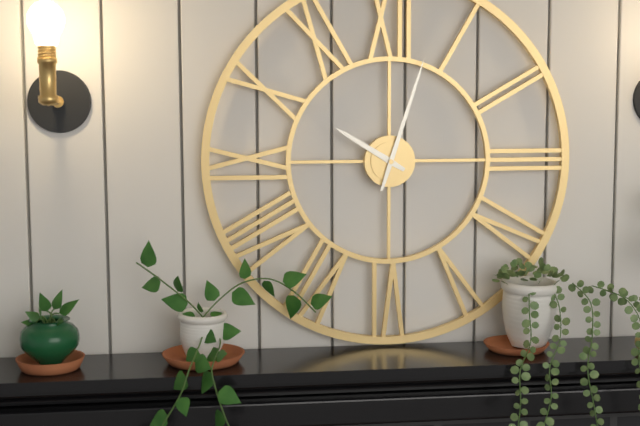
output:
10:03
